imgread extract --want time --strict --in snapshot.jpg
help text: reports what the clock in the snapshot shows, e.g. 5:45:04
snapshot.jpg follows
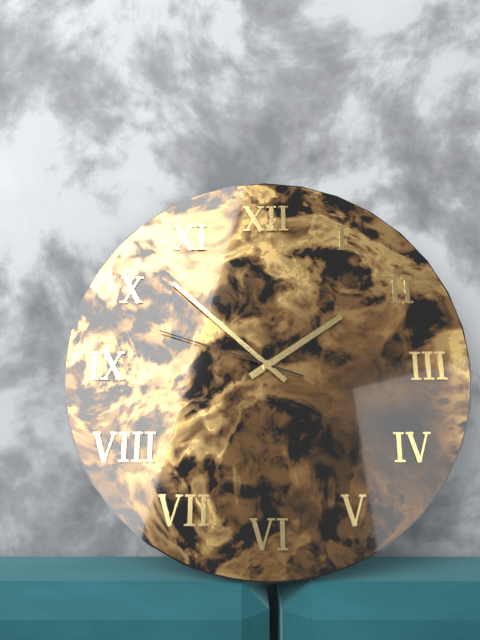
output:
1:52:48
